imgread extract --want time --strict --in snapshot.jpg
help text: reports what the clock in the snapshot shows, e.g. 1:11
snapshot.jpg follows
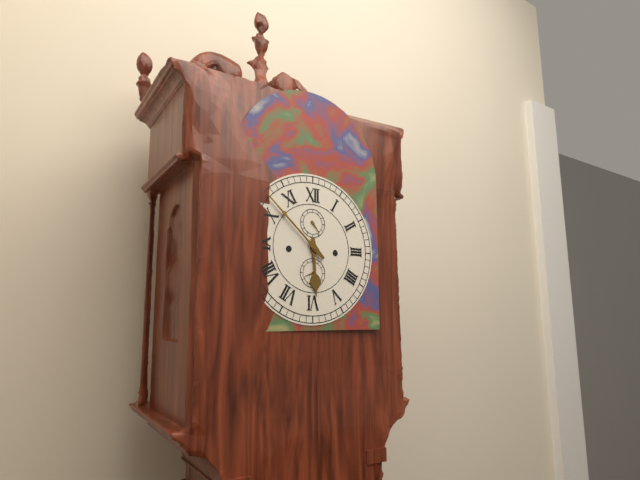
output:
5:52
